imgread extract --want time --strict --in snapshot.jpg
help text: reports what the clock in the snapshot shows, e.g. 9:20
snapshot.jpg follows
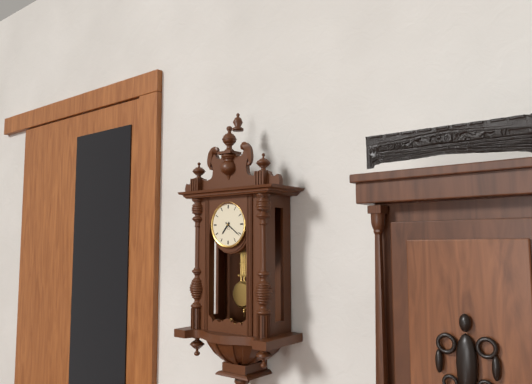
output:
7:21
